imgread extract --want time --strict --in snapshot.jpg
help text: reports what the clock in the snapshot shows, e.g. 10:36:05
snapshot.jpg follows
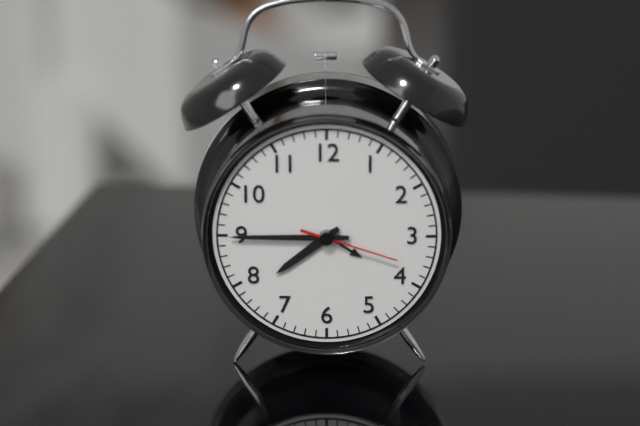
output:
7:45:18
